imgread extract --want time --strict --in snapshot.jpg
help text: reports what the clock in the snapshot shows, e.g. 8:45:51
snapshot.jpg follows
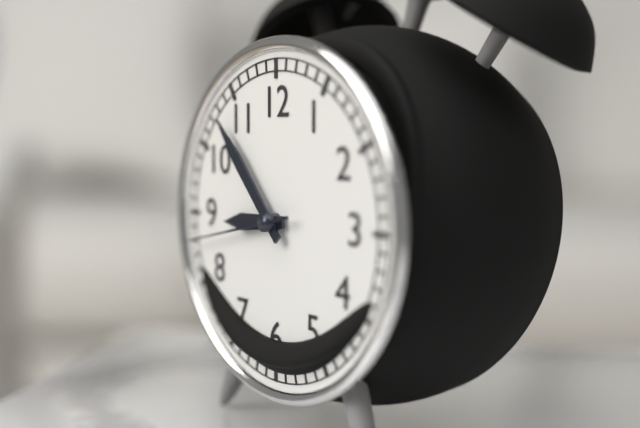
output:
8:53:43
